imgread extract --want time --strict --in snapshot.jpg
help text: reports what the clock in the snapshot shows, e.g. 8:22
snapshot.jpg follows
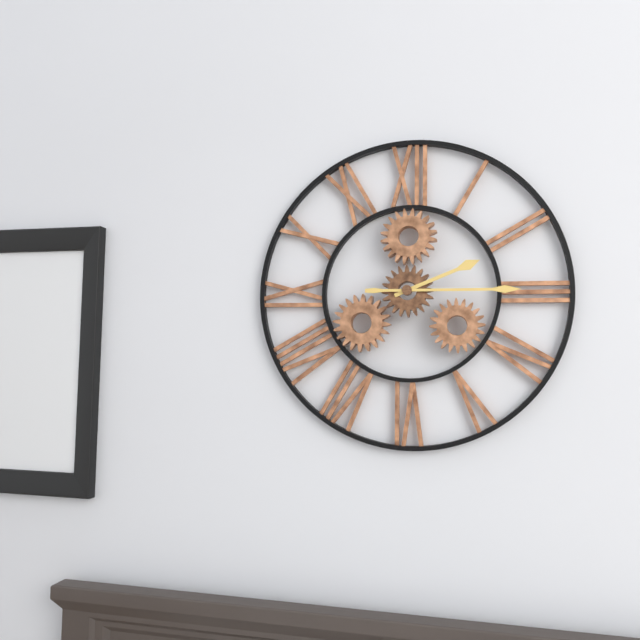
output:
2:15
